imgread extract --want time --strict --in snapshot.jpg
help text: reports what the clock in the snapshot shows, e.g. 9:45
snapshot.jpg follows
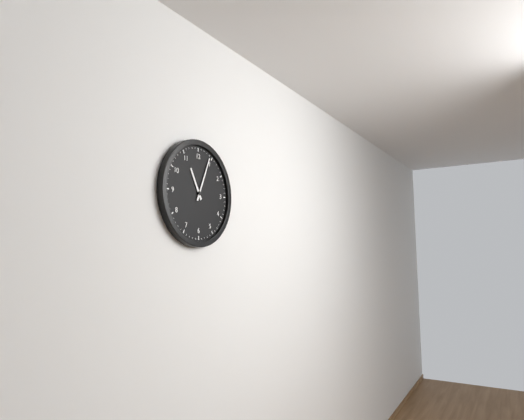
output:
11:04
